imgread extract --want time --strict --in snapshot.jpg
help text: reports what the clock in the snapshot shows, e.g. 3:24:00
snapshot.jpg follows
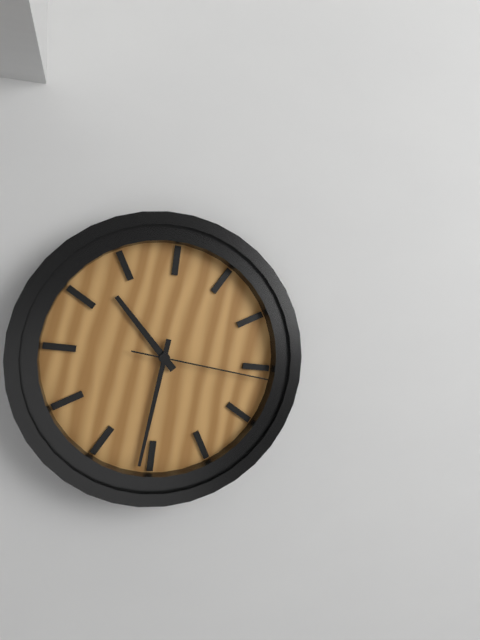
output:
10:31:16
